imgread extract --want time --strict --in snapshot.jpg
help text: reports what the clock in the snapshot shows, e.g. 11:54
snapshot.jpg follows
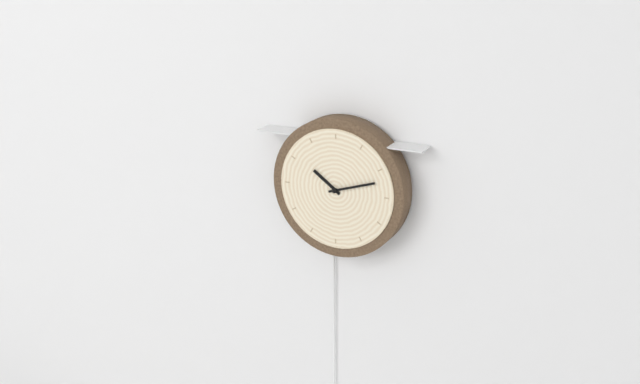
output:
10:12
